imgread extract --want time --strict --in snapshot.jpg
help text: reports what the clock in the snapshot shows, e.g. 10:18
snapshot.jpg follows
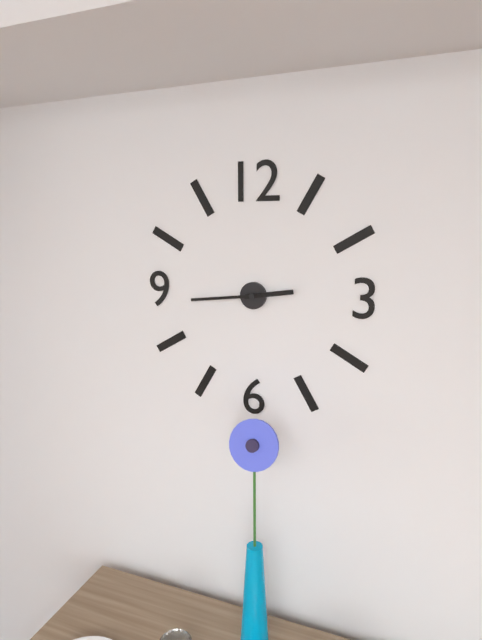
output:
2:44
